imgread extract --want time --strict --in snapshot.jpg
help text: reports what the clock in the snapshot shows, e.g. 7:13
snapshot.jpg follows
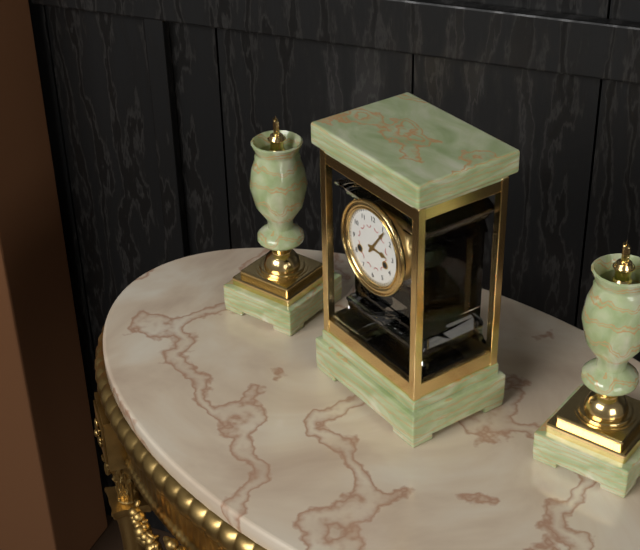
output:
3:06
